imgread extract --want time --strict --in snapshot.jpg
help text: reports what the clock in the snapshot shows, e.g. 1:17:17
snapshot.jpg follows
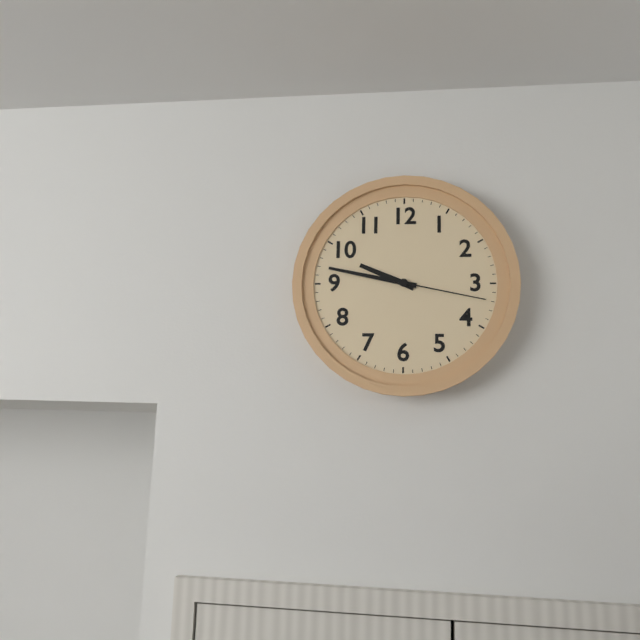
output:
9:47:17
